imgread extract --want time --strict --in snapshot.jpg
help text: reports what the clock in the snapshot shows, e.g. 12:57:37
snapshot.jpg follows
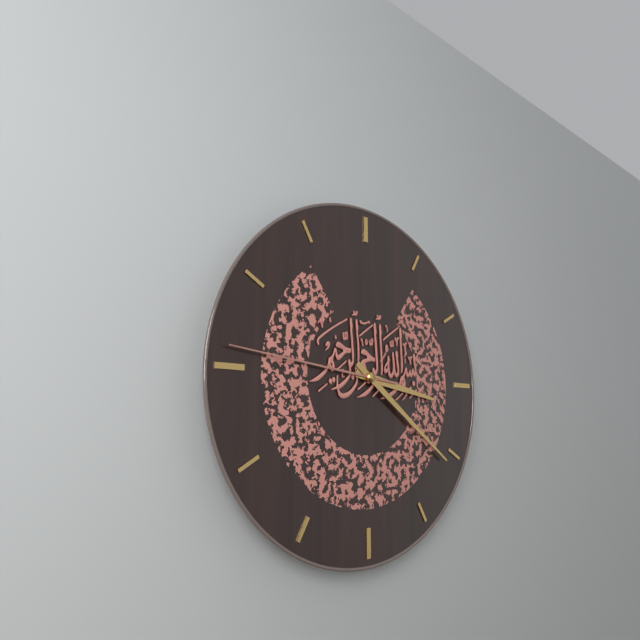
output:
3:21:46
